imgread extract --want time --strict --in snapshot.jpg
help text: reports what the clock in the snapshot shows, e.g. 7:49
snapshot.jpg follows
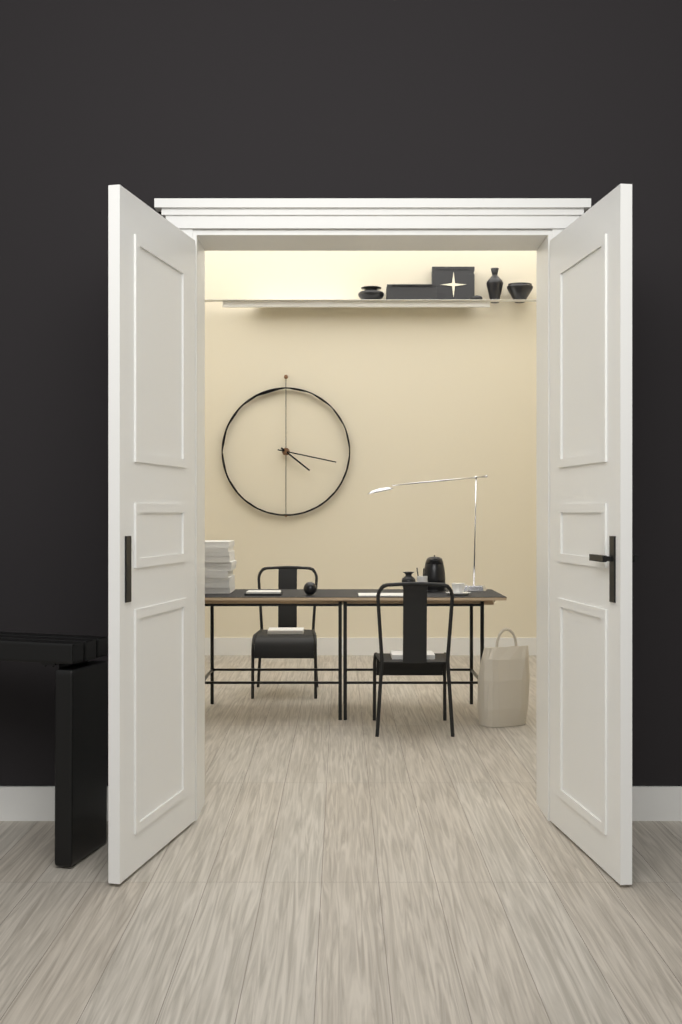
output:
4:17
